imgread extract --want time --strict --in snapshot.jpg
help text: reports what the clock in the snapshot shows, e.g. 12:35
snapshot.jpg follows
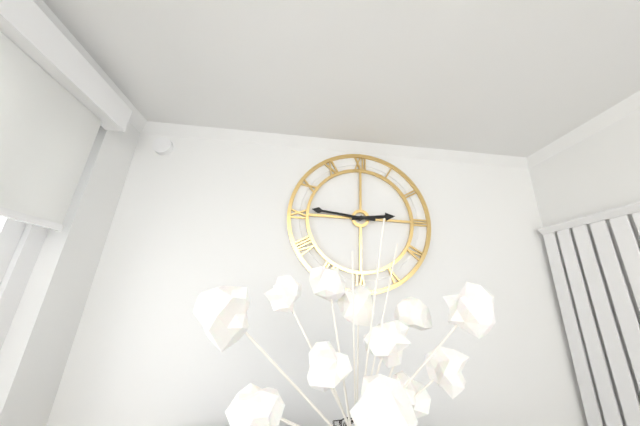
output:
2:46
